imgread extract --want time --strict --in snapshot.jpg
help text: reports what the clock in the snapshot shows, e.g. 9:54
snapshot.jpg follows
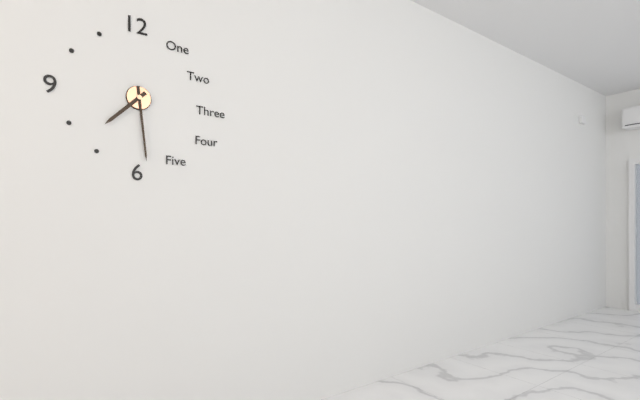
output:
7:29
